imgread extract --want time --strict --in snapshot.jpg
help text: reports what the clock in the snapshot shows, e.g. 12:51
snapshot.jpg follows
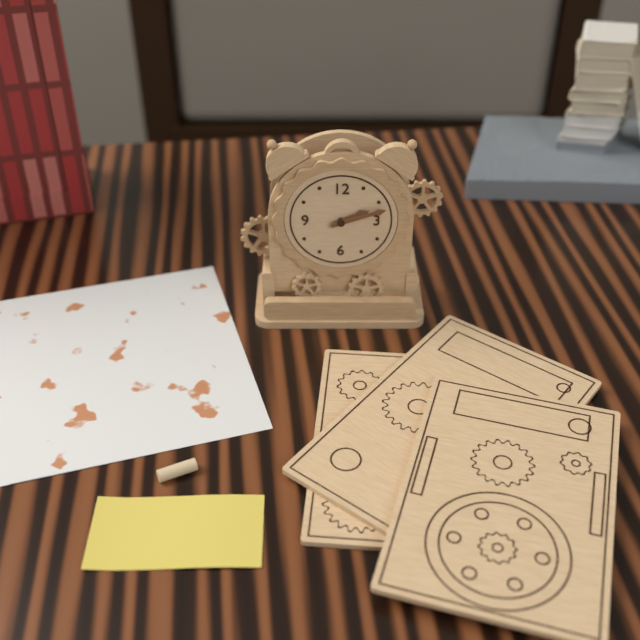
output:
2:12
